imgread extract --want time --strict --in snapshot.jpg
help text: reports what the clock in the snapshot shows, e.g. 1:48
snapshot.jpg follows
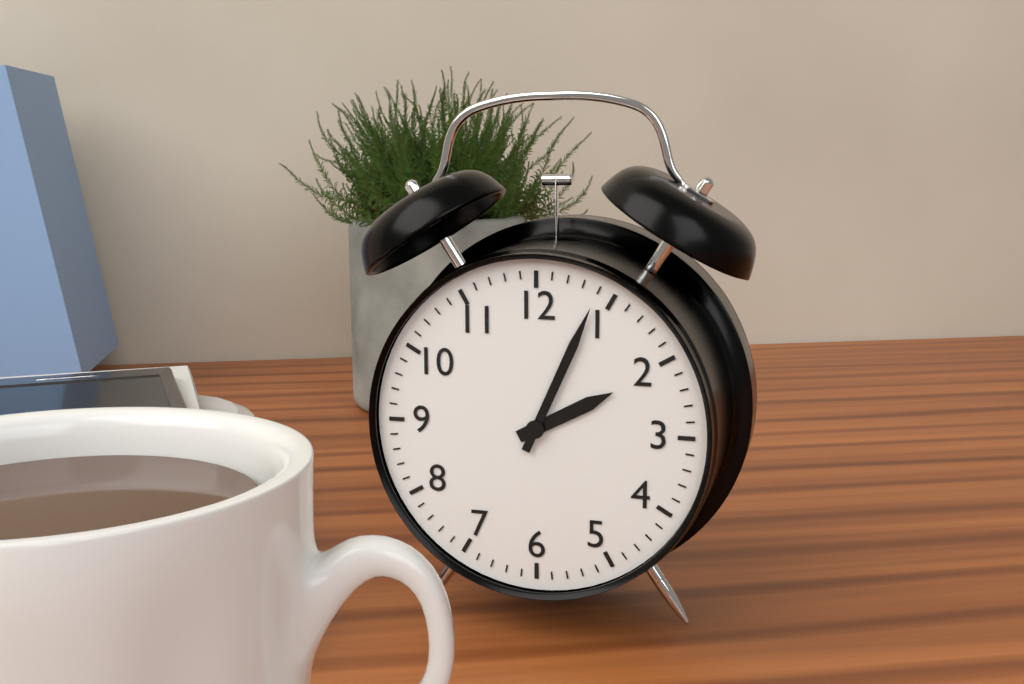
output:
2:04
